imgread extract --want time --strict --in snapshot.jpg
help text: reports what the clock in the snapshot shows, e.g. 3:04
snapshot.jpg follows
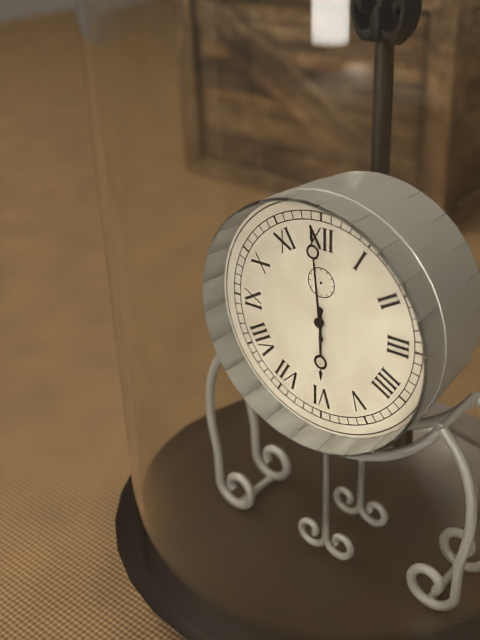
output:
5:59
